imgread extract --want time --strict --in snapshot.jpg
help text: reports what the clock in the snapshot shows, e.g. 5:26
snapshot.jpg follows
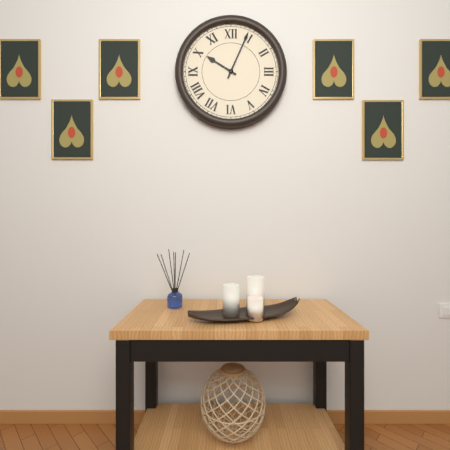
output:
10:04
